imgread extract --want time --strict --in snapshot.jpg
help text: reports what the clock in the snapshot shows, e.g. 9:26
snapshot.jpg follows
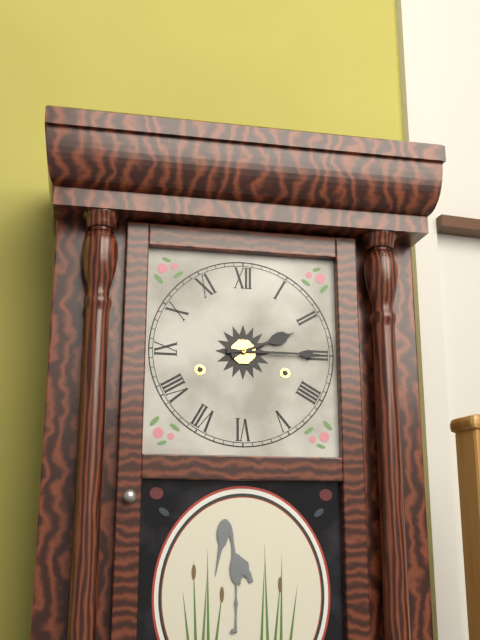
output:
2:15
